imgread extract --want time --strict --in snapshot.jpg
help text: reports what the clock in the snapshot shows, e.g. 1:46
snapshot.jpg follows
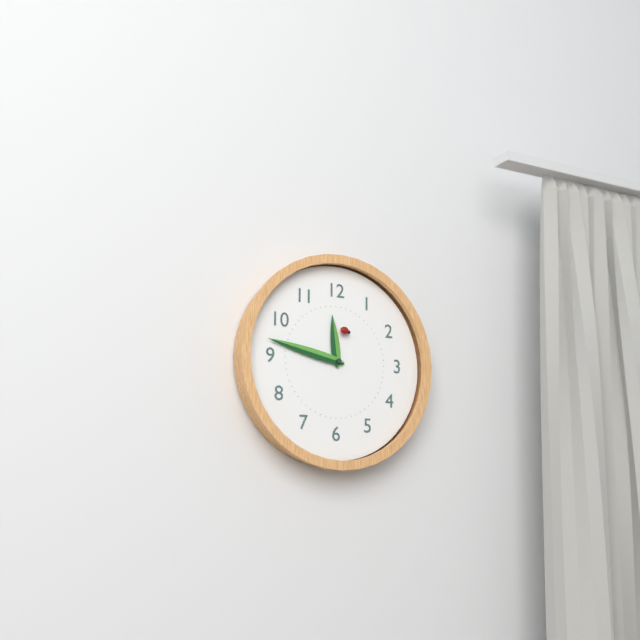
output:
11:47
